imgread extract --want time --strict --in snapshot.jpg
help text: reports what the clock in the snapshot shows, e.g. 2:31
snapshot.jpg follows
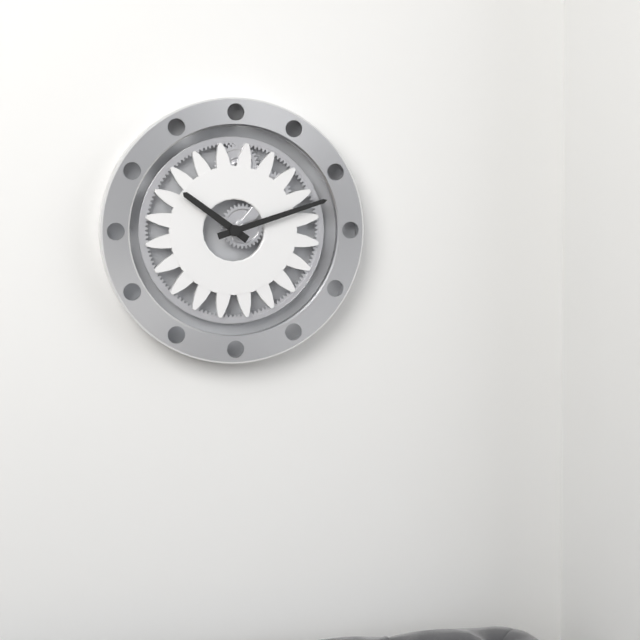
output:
10:12
